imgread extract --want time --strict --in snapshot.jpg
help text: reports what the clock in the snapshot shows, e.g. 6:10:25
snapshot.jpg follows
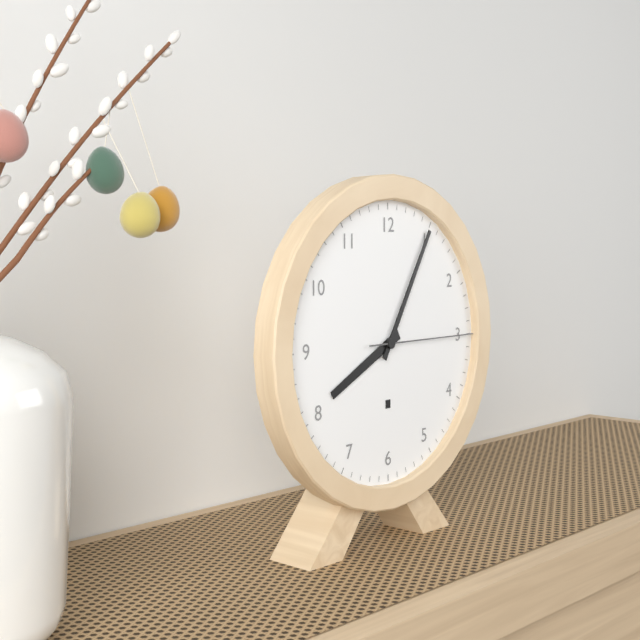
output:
8:05:15
